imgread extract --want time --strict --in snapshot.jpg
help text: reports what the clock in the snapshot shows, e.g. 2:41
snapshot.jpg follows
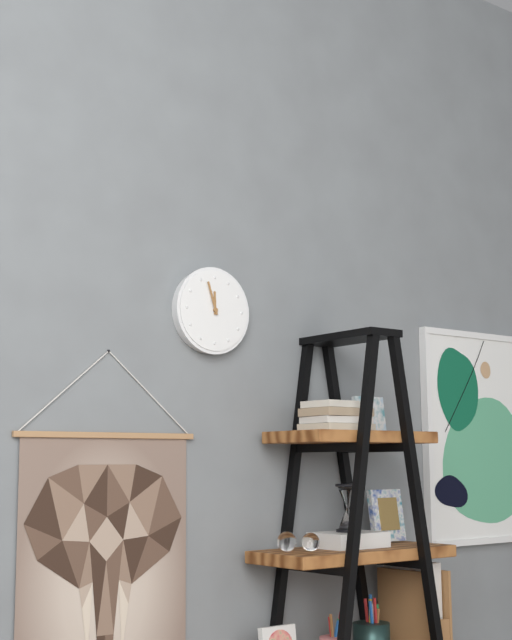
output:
11:57
